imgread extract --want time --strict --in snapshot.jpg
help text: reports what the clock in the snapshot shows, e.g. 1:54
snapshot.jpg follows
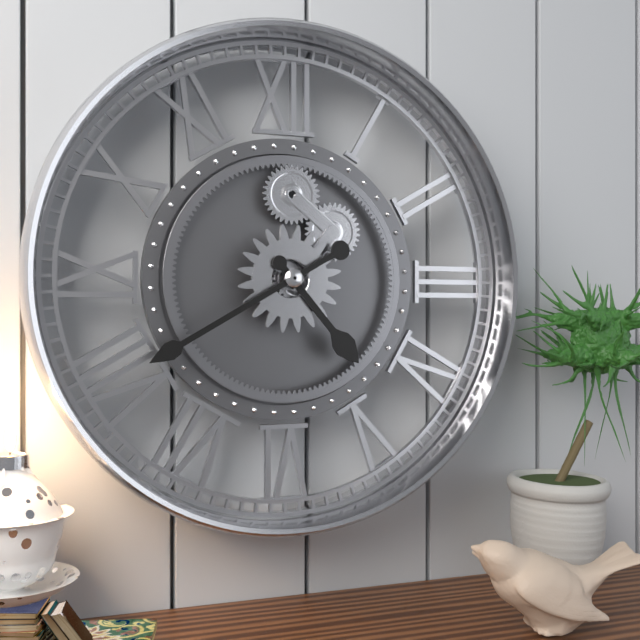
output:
4:40
